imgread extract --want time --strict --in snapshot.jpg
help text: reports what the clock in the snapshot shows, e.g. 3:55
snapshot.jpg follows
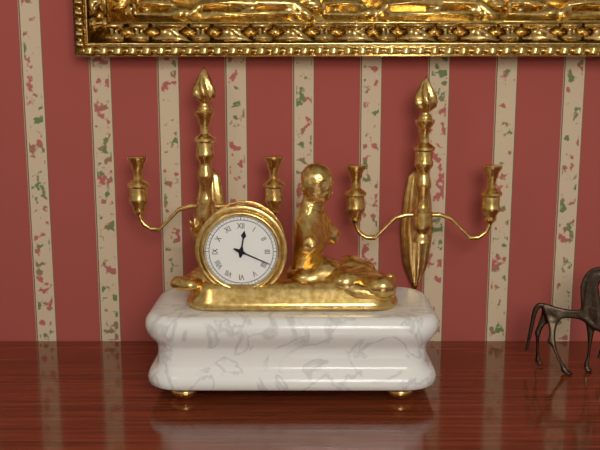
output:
12:19
